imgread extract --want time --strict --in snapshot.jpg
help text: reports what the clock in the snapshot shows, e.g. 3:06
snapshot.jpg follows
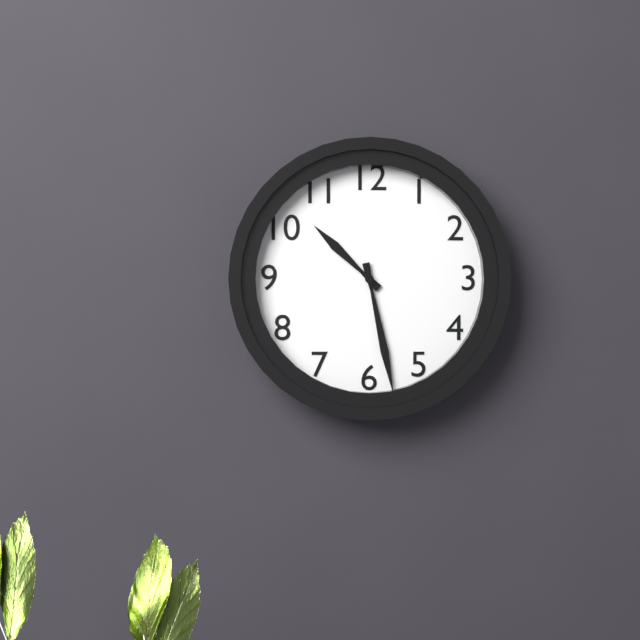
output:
10:28
